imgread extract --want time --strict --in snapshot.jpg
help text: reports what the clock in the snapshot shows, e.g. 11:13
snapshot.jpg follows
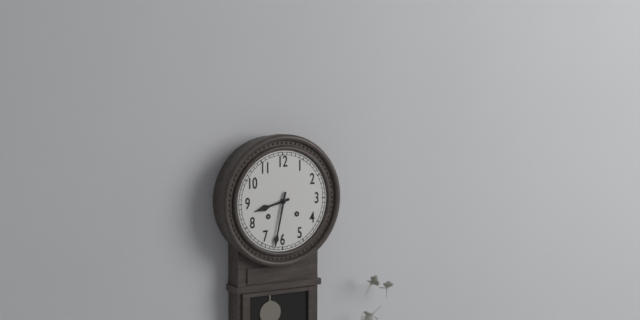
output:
8:32
